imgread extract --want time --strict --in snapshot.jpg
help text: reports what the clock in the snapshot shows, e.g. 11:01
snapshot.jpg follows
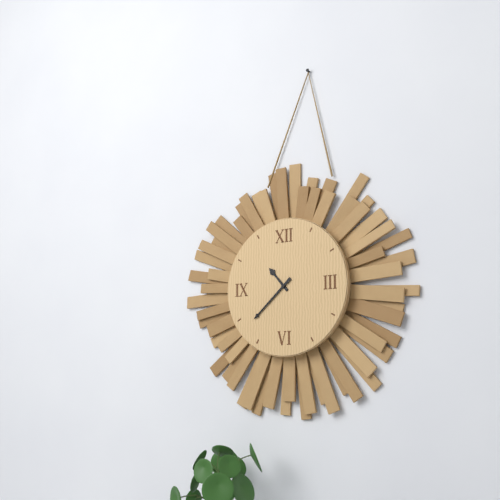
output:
10:38
